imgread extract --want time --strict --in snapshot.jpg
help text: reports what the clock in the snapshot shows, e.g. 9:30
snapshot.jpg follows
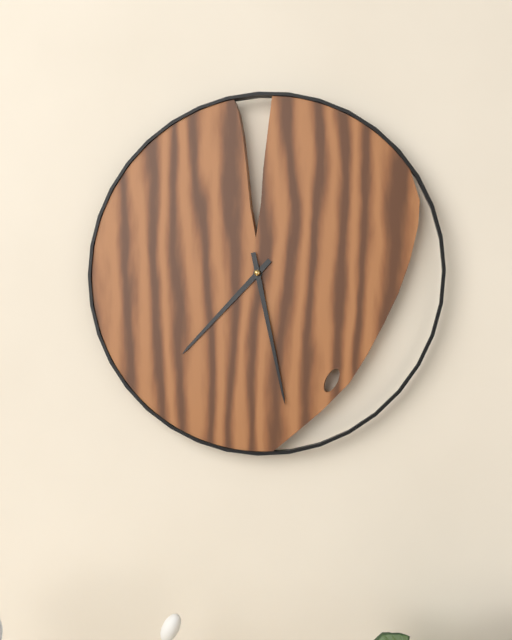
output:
7:28
